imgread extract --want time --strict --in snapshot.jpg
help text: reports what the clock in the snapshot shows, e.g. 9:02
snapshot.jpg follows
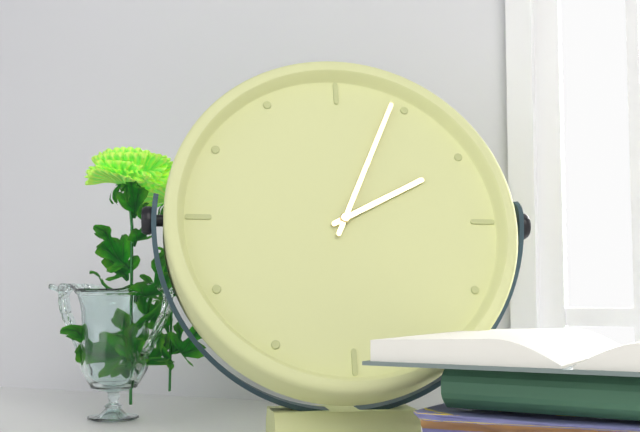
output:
2:04
